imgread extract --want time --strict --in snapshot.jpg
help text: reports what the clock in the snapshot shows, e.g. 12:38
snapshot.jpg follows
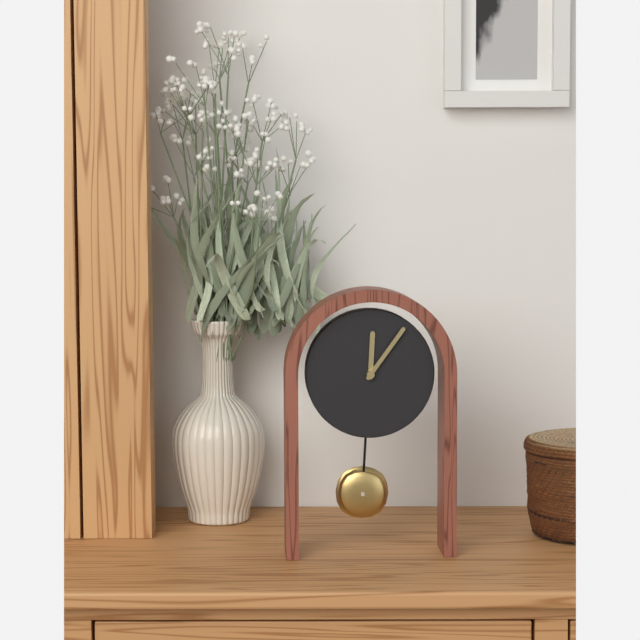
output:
12:06
